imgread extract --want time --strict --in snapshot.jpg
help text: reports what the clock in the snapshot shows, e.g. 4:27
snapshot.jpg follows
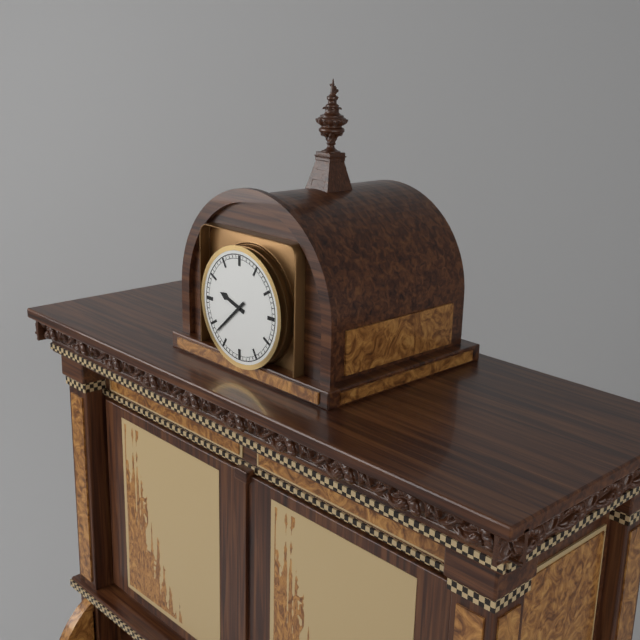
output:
9:38
